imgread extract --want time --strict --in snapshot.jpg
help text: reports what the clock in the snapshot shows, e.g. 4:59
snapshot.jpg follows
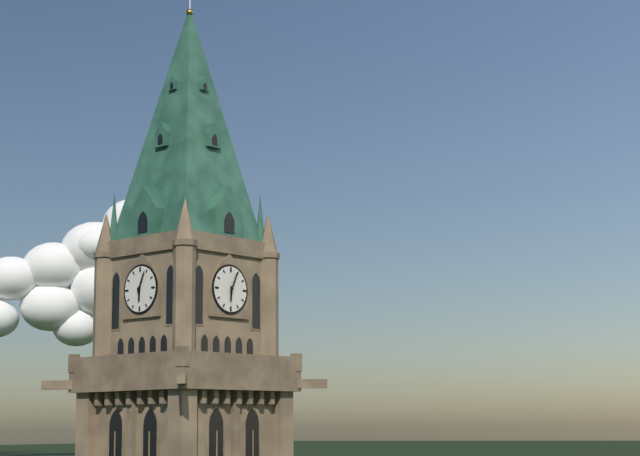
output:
6:04
